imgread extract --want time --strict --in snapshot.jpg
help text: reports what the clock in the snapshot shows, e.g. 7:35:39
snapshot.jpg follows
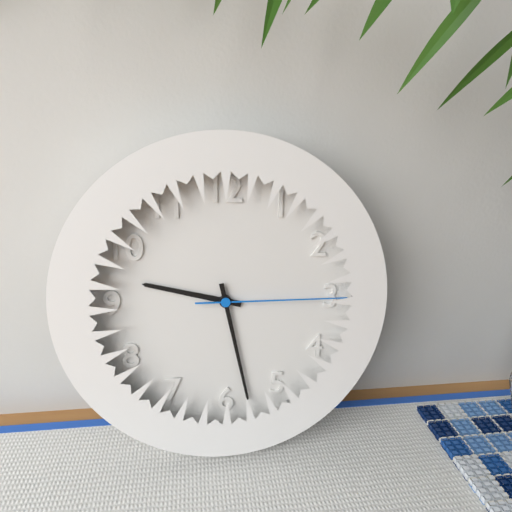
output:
9:28:15
